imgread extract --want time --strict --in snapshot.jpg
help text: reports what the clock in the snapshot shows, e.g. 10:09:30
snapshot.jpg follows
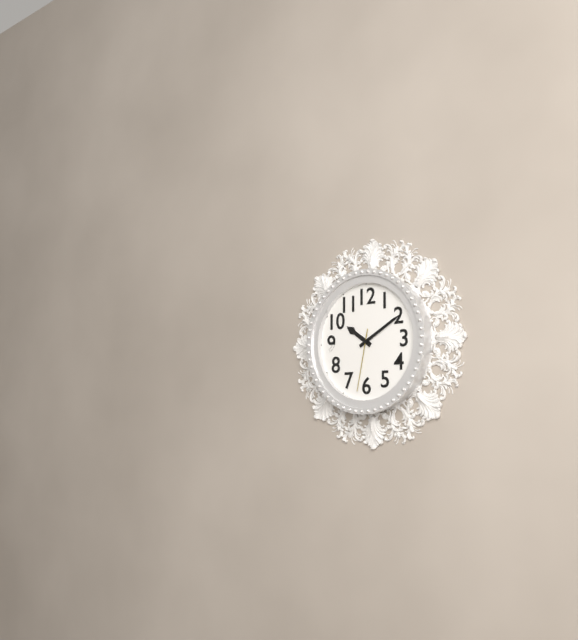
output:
10:10:32
